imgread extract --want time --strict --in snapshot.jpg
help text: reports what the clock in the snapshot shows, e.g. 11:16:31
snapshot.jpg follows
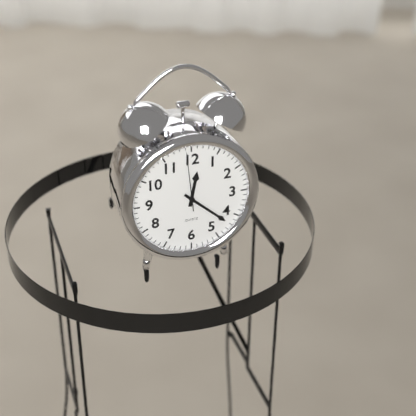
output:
12:22:59
